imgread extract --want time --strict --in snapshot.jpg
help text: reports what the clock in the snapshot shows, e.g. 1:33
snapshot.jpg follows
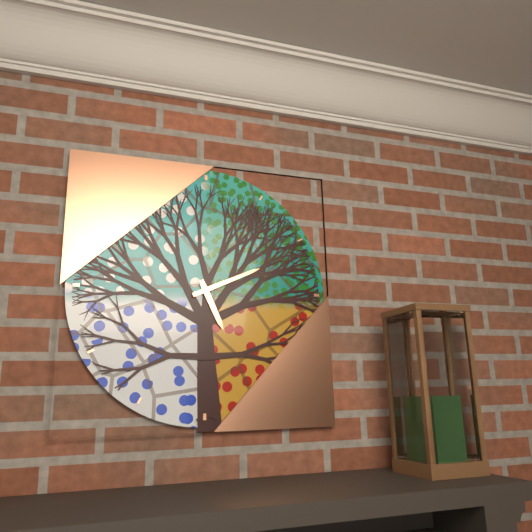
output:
5:11
